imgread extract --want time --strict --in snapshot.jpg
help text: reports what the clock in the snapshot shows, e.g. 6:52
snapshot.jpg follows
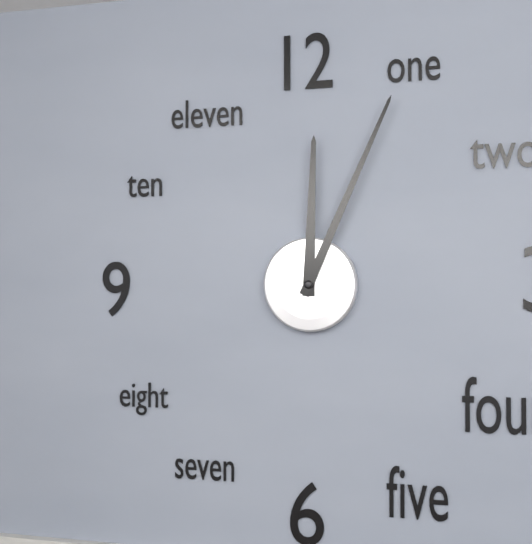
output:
12:04
